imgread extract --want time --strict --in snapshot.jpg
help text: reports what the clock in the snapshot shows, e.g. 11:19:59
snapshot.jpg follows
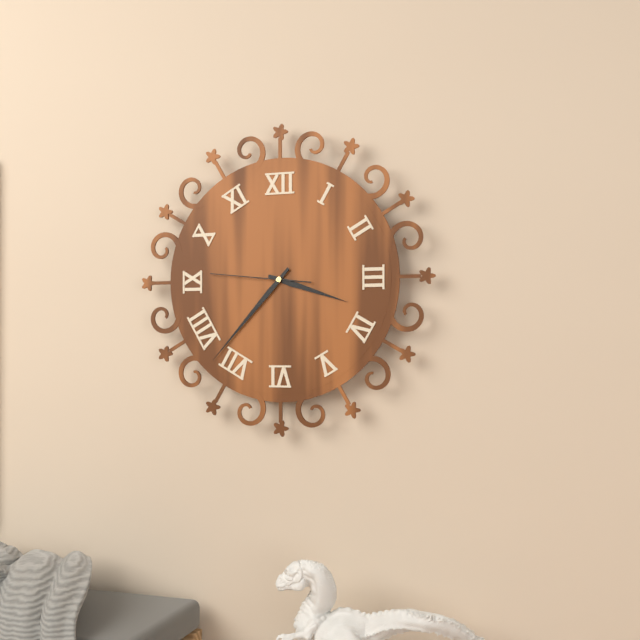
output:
3:37:46
